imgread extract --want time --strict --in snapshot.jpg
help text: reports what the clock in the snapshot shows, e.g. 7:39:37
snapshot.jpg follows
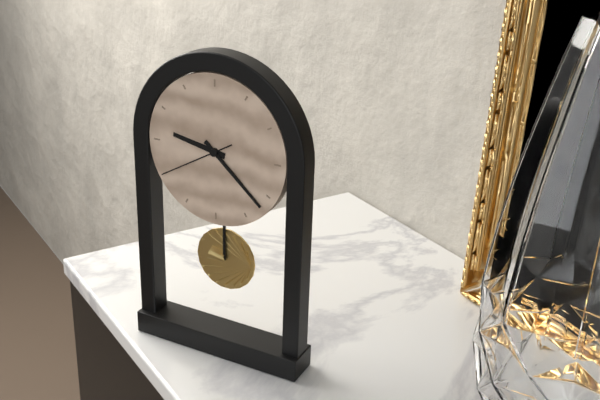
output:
9:22:40
